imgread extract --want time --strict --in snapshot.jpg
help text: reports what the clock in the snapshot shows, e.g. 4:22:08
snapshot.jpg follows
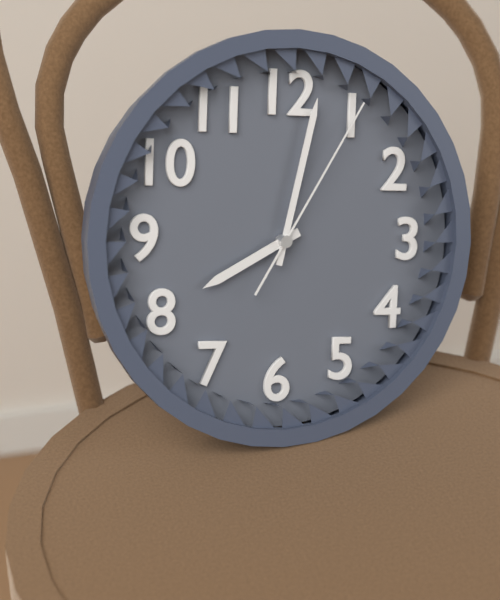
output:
8:02:05
